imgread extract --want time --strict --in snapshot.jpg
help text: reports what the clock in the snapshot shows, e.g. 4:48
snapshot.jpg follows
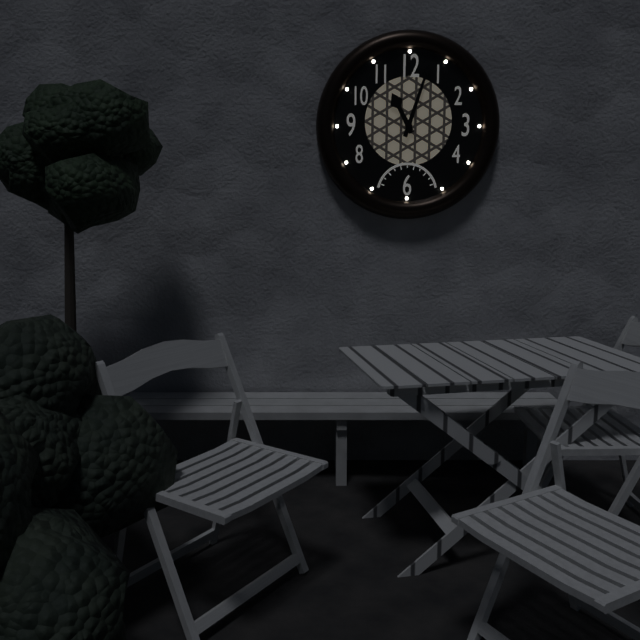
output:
11:03
